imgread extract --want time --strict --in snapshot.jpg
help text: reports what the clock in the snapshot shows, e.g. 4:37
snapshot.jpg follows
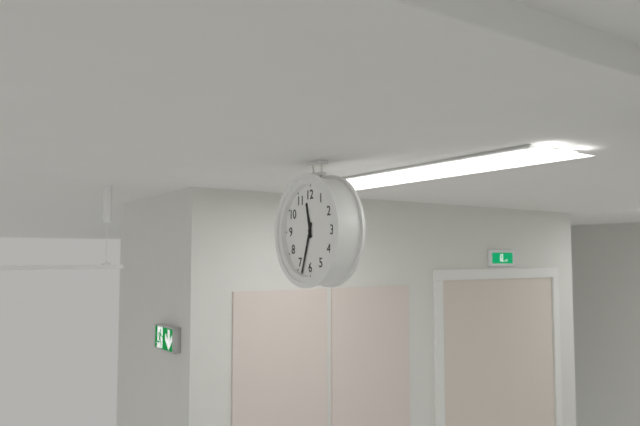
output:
11:33
